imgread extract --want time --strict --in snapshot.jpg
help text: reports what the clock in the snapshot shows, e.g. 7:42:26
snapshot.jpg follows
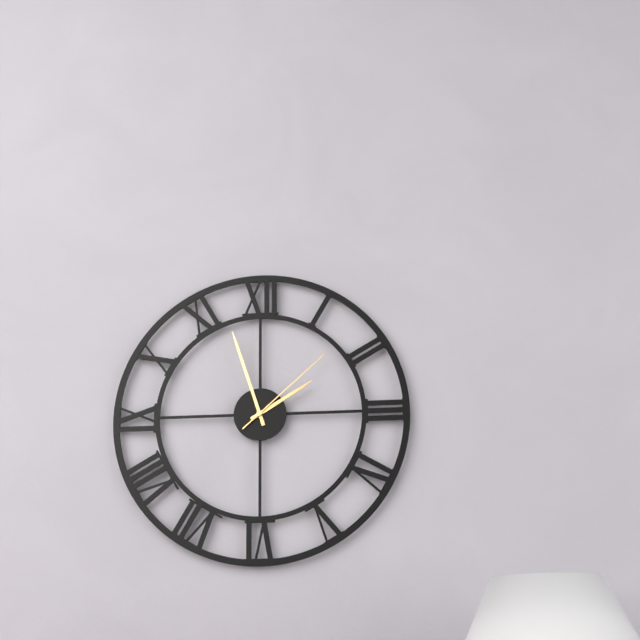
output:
1:57:08
